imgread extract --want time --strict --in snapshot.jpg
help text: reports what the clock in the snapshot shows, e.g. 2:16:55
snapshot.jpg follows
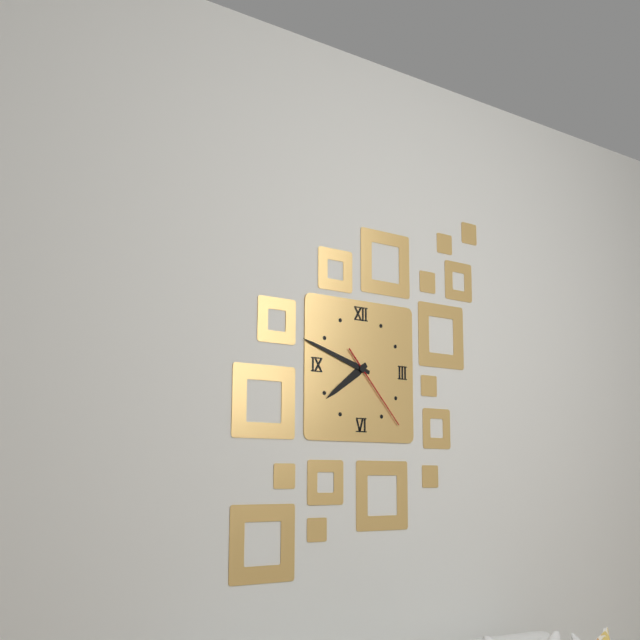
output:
7:48:23
